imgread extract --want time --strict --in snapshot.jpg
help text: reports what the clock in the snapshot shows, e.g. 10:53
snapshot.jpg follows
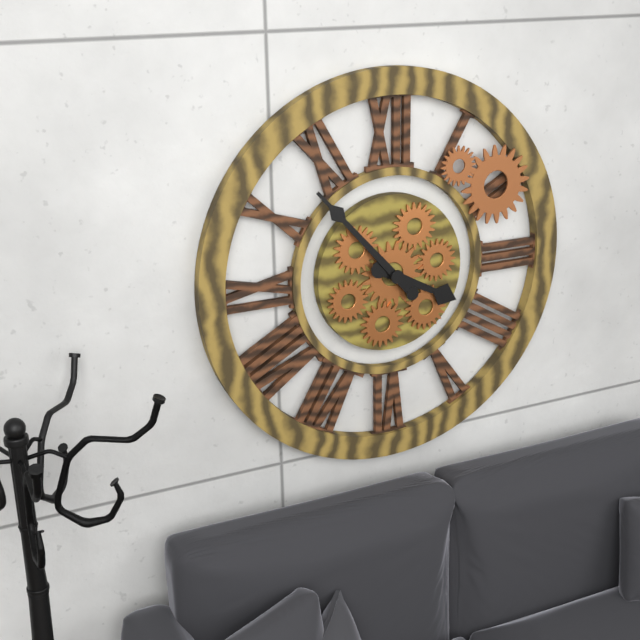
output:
3:53
